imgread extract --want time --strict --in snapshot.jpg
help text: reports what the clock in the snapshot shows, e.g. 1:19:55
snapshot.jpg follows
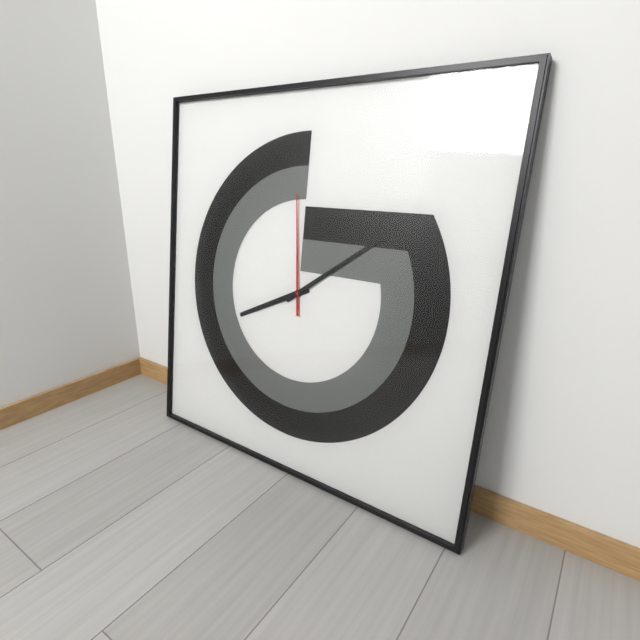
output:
8:09:59
